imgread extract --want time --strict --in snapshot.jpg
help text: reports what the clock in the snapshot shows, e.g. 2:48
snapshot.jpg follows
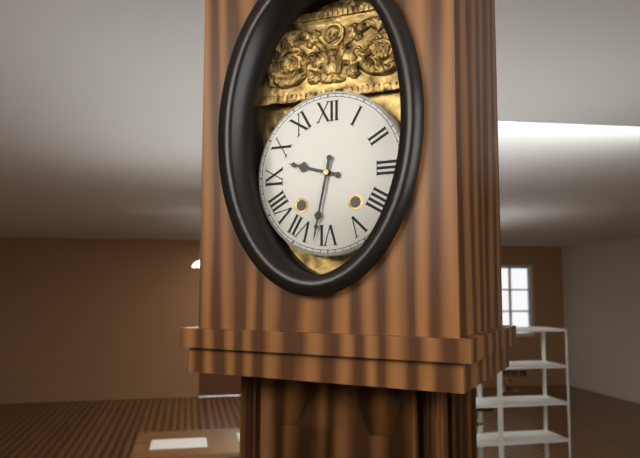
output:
9:32
